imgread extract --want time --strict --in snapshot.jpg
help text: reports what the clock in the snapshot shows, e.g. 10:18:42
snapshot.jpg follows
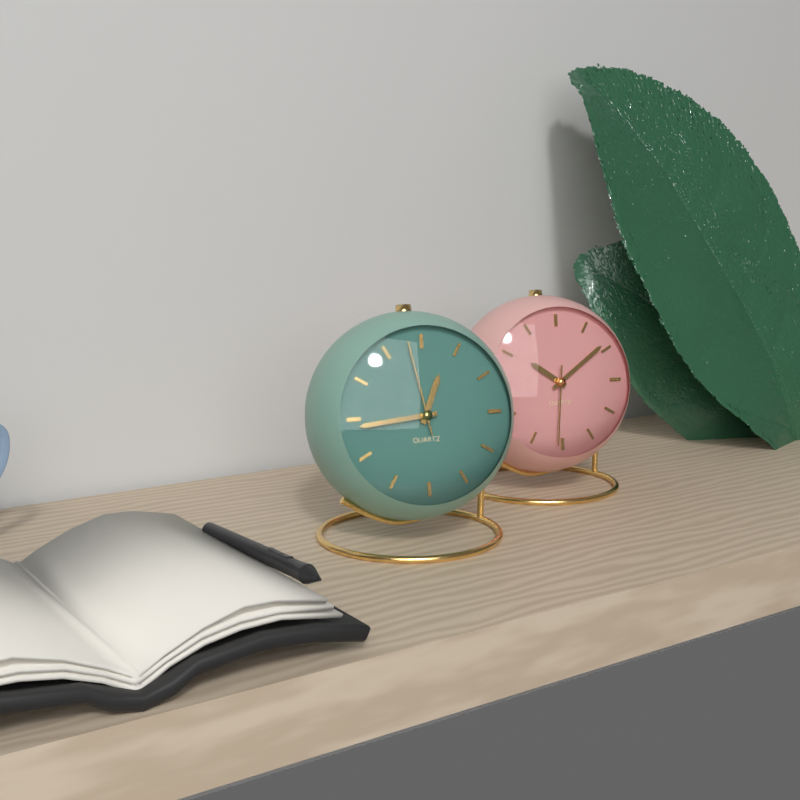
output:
12:44:58
